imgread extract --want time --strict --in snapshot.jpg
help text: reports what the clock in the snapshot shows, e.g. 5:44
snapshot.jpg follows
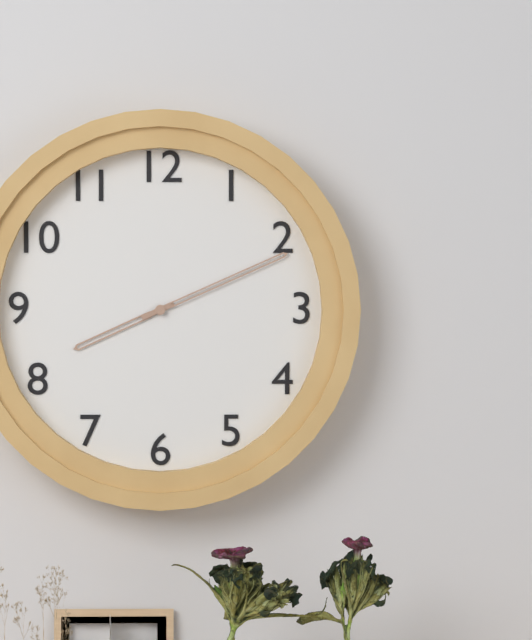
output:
8:11
